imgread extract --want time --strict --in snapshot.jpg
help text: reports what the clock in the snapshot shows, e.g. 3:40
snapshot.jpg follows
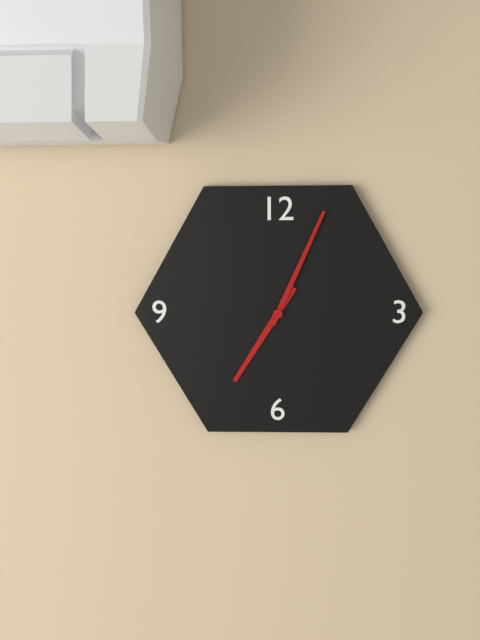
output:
7:04
